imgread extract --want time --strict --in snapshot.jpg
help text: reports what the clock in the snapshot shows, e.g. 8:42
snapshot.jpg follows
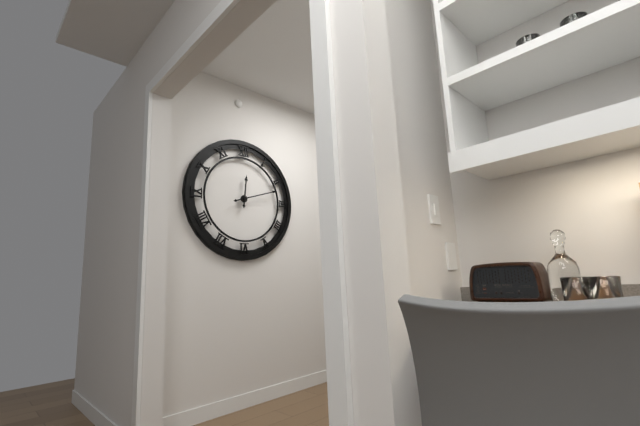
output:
12:12
